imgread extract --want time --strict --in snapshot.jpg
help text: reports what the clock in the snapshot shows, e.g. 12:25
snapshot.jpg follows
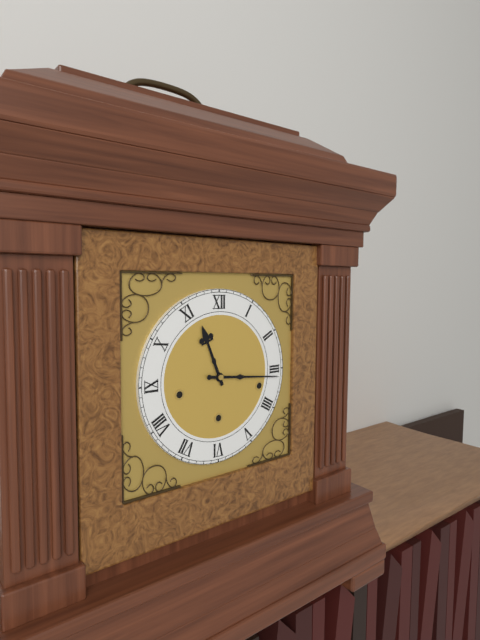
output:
11:16
